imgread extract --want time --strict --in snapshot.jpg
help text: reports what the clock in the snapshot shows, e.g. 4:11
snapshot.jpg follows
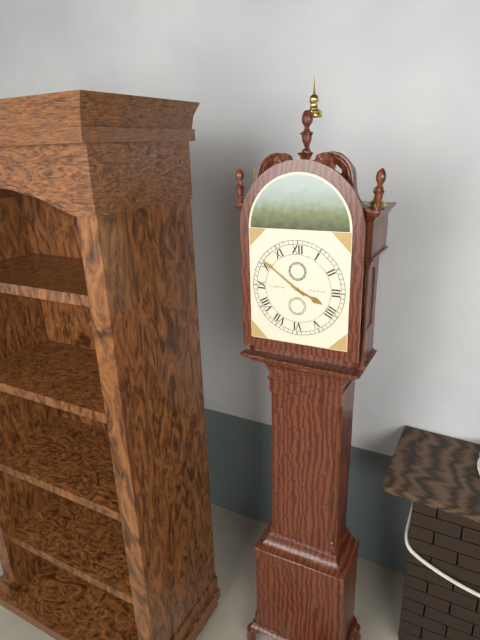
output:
3:51
